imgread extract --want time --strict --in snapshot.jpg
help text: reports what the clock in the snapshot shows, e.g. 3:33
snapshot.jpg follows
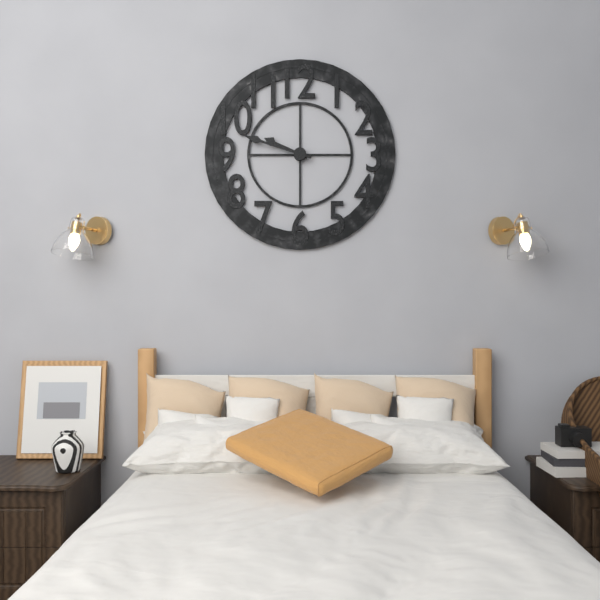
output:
9:48
